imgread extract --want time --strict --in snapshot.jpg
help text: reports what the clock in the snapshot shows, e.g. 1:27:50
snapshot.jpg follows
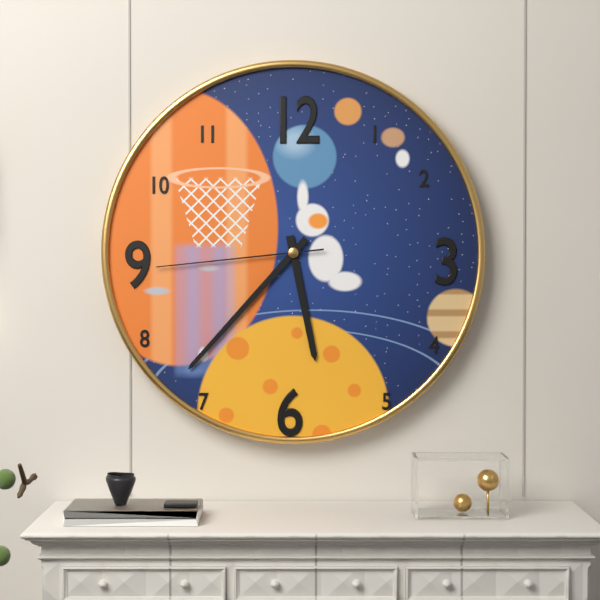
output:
5:37:44
